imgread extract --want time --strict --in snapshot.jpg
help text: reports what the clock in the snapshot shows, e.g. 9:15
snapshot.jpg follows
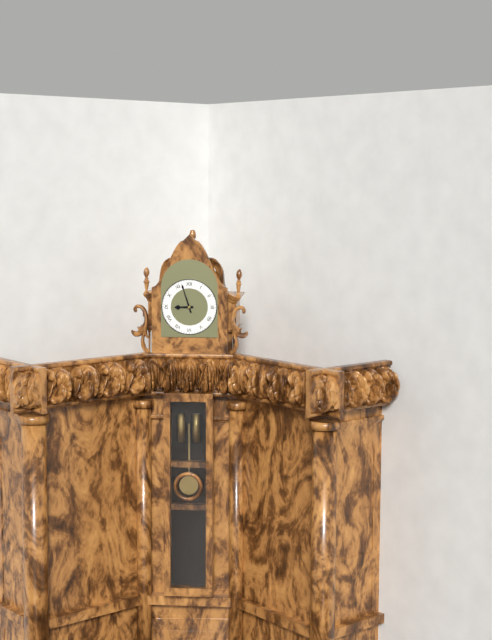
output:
8:57
